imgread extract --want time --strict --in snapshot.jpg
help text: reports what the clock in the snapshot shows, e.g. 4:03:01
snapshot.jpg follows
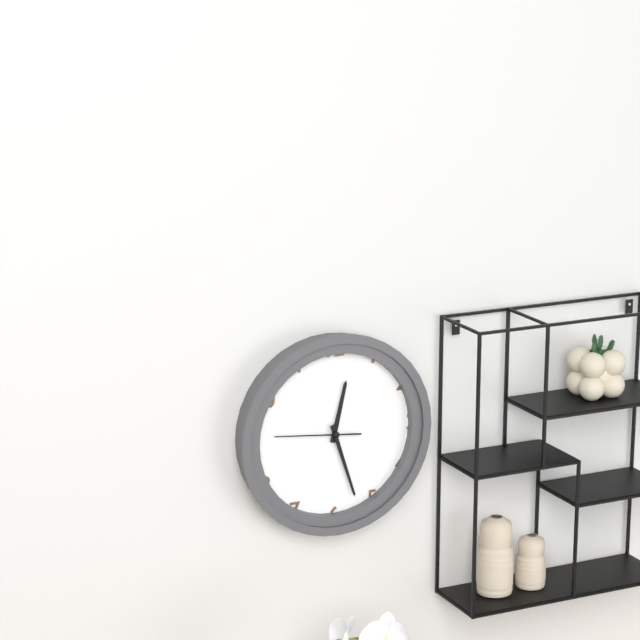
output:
12:27:46
